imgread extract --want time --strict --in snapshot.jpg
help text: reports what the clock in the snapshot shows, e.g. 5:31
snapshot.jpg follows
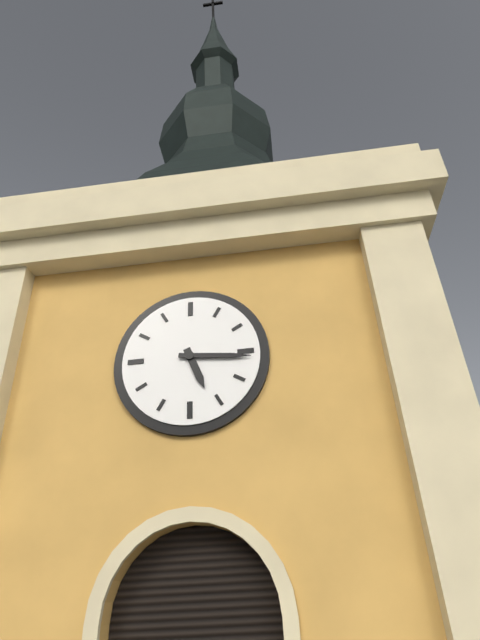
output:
5:16
